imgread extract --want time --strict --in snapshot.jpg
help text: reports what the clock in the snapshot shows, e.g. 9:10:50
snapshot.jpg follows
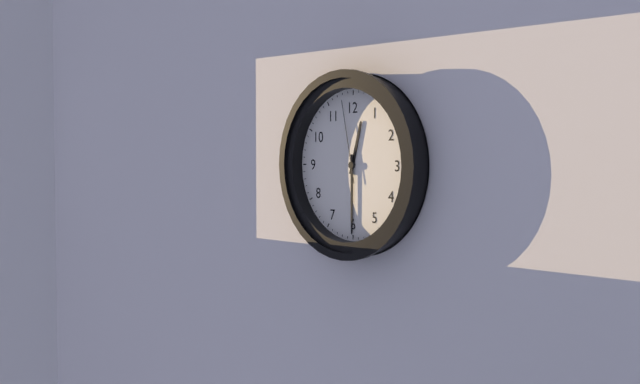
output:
12:30:58
